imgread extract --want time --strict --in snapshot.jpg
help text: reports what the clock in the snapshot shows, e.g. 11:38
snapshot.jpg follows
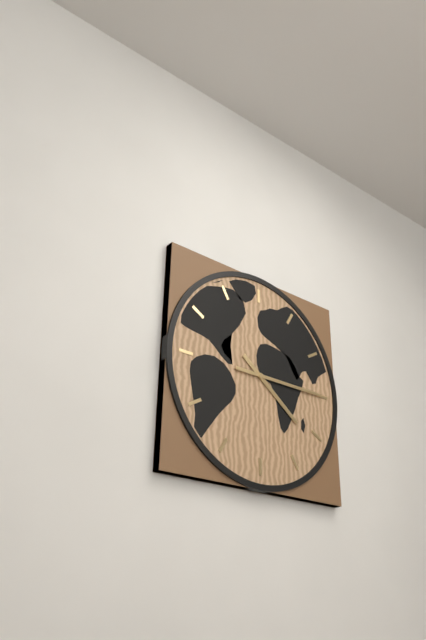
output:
4:15
